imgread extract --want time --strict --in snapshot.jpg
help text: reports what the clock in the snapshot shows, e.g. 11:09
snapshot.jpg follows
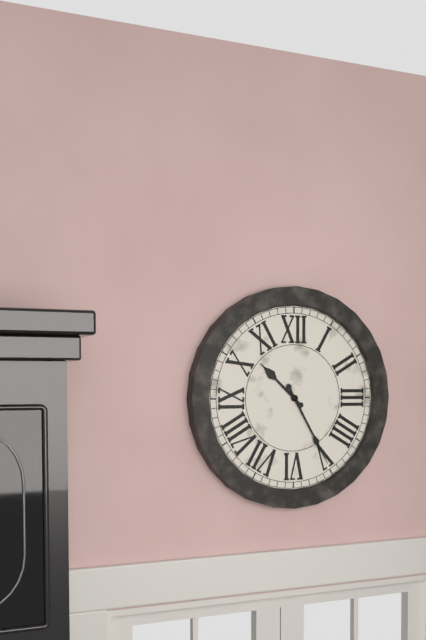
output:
10:25
